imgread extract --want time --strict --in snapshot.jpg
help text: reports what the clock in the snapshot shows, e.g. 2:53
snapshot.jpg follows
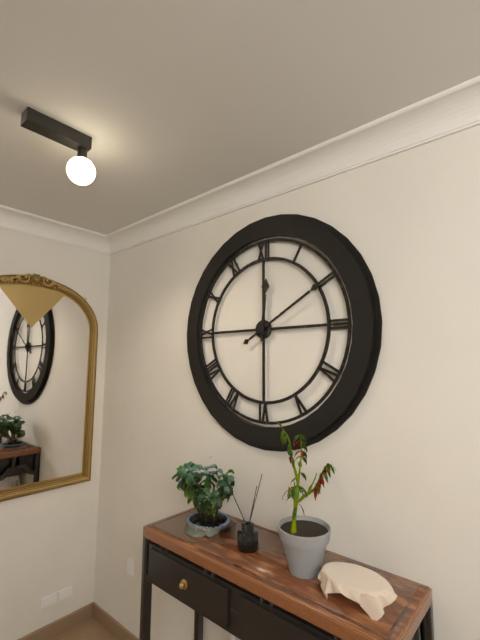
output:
12:10
